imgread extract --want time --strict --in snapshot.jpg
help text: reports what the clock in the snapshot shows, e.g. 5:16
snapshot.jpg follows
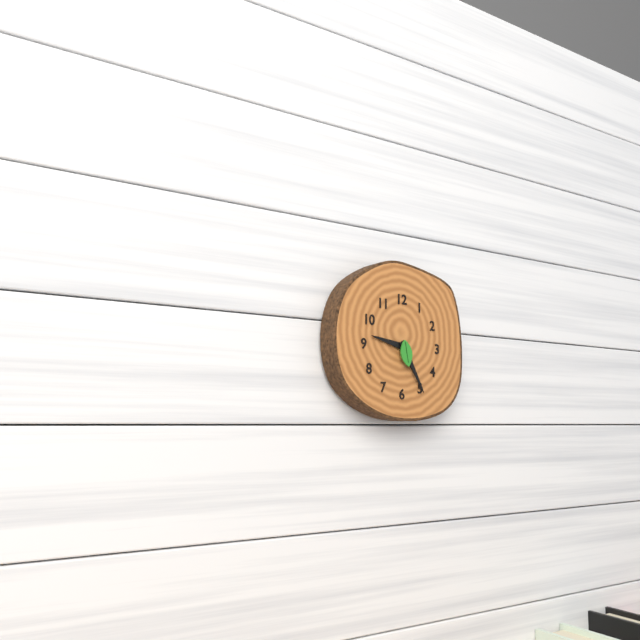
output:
9:25
